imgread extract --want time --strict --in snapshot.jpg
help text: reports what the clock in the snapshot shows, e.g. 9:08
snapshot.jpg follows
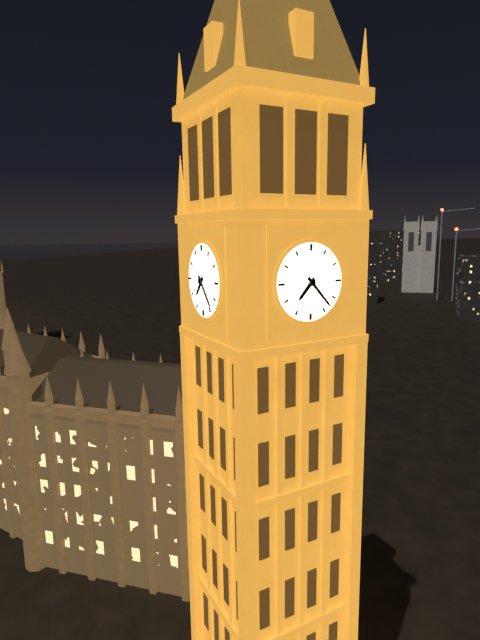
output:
7:23
